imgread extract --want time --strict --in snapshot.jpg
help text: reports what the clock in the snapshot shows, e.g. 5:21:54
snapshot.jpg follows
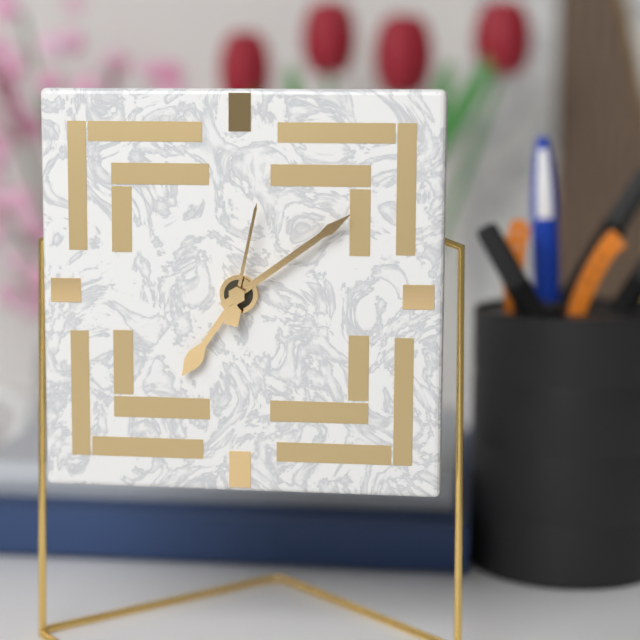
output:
7:09:02
